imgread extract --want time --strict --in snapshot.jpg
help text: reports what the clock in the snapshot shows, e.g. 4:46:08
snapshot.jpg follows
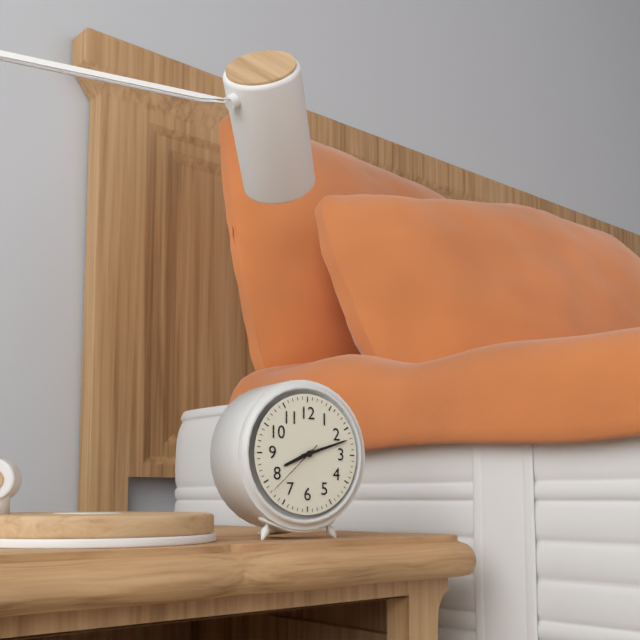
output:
8:12:38
